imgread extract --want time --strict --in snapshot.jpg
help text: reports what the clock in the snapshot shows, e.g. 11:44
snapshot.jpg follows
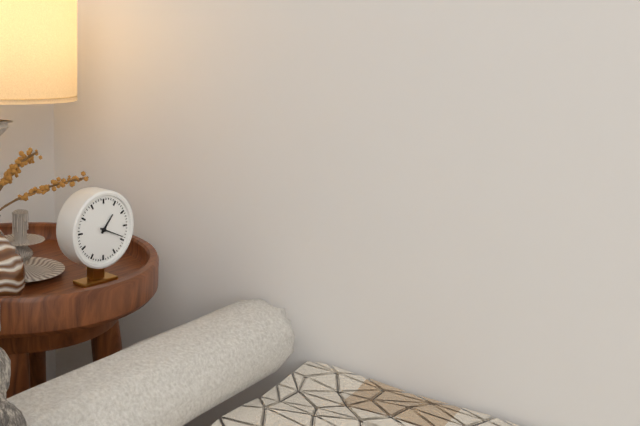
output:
1:19
